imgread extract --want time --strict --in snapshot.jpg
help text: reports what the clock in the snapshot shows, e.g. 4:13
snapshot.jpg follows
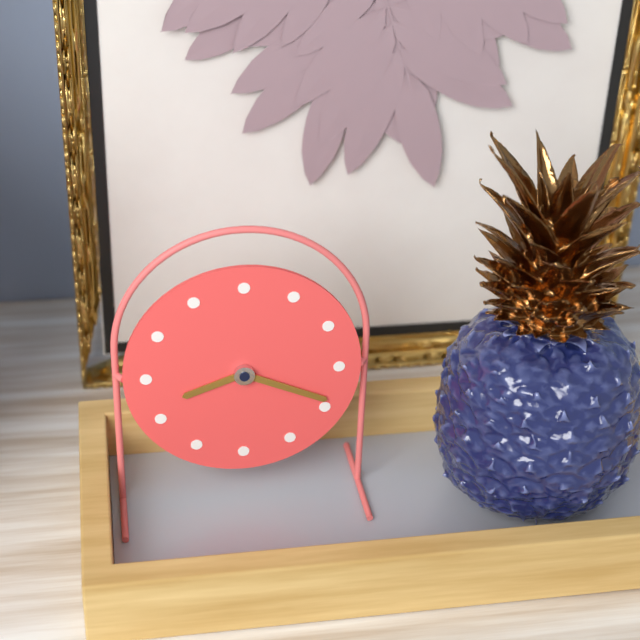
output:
8:19
